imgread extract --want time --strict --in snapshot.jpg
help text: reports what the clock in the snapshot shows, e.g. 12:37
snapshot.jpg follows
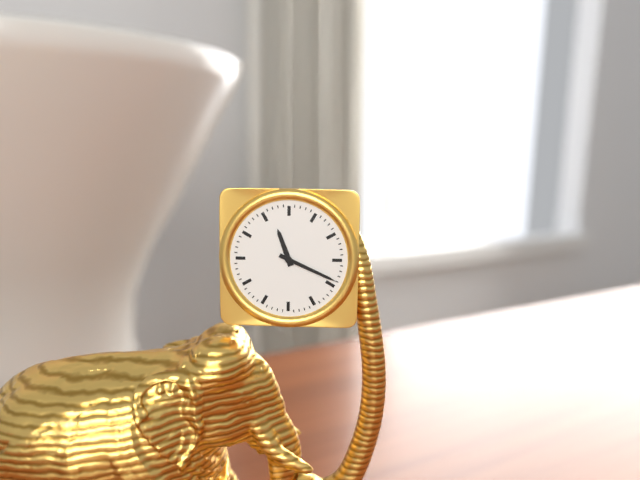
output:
11:19
